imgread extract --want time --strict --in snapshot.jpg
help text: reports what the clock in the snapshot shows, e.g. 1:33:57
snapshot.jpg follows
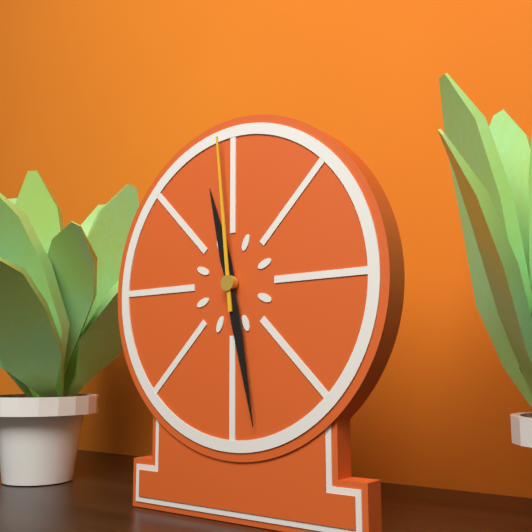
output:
11:28:59
